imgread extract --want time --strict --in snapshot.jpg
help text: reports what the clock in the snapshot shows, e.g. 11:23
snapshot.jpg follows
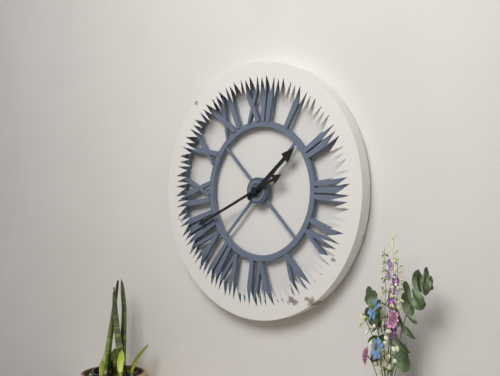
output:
1:41
